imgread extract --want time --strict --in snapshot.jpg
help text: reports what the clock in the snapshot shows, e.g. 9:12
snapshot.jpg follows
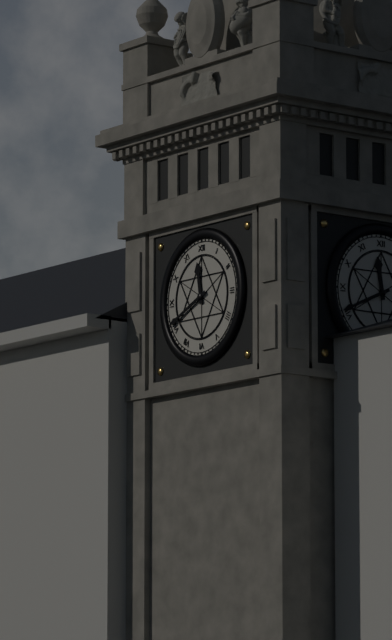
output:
11:41
